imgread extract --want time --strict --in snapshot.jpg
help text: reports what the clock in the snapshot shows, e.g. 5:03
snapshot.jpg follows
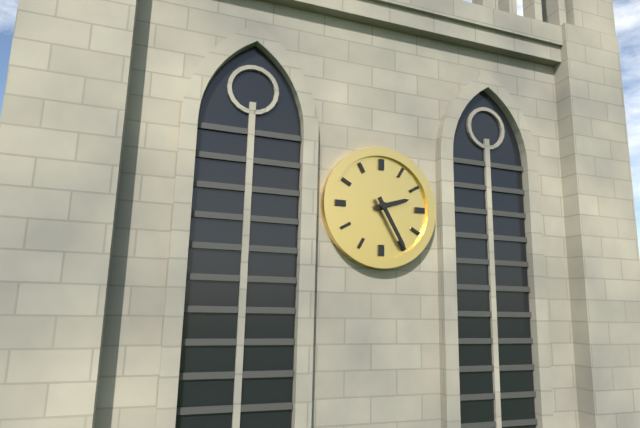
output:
2:25
